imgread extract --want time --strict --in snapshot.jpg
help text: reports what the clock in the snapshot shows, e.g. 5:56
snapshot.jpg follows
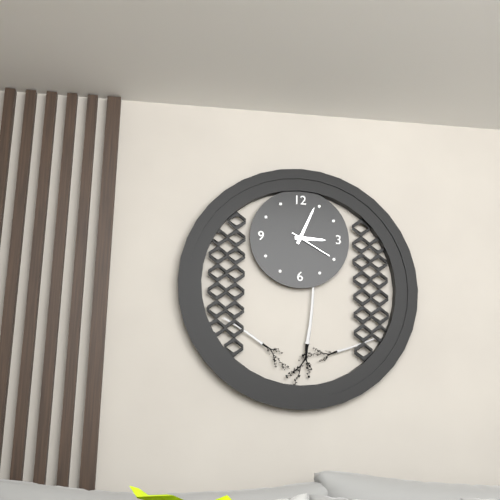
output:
3:04
